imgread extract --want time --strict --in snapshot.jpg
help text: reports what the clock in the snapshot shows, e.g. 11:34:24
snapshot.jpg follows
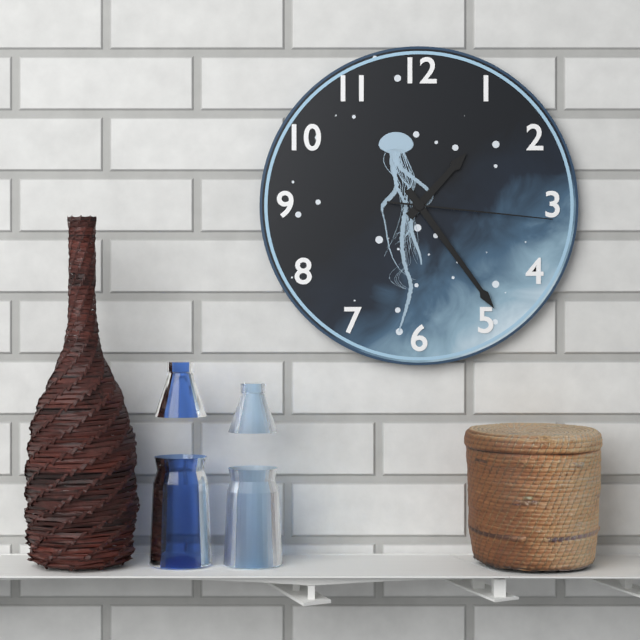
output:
1:24:16
